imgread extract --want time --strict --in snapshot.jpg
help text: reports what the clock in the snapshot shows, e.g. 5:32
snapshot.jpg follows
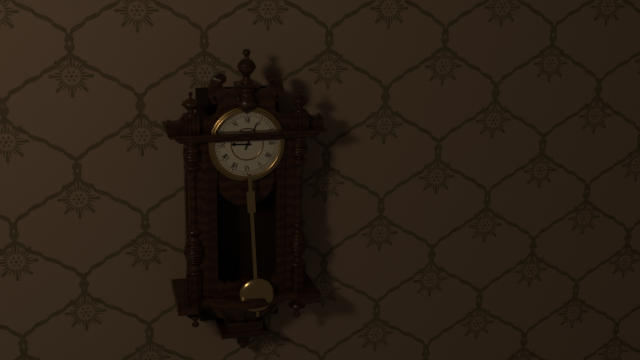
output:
9:04
